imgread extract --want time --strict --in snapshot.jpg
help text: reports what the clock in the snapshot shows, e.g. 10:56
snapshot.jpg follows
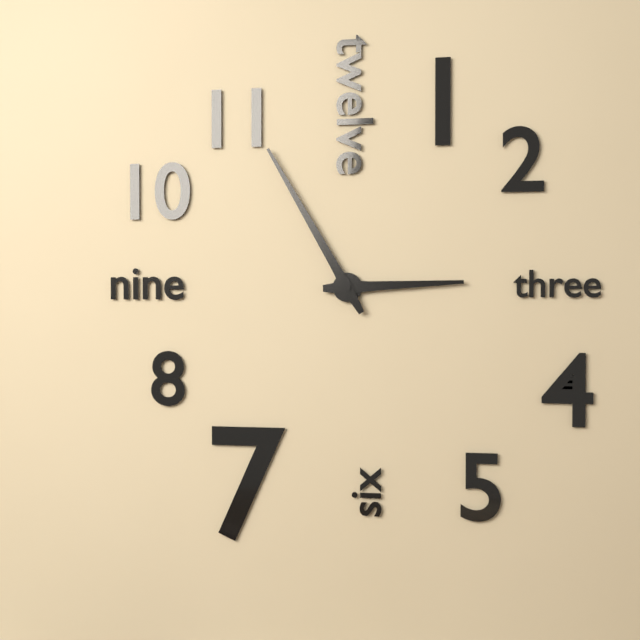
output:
2:55
